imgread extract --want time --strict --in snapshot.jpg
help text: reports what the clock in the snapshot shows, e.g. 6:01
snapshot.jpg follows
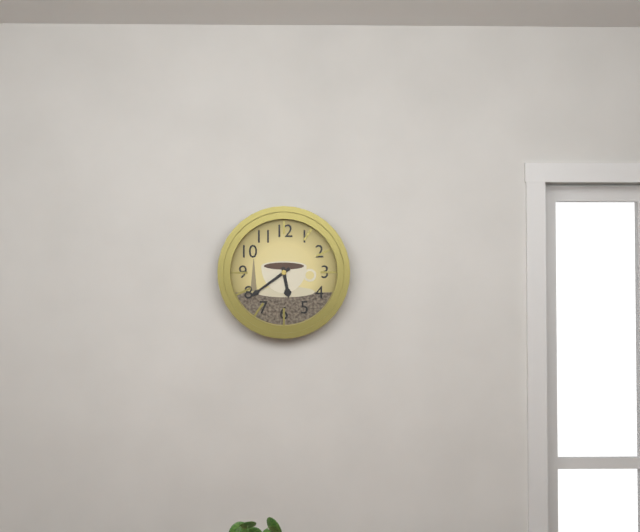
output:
5:39
